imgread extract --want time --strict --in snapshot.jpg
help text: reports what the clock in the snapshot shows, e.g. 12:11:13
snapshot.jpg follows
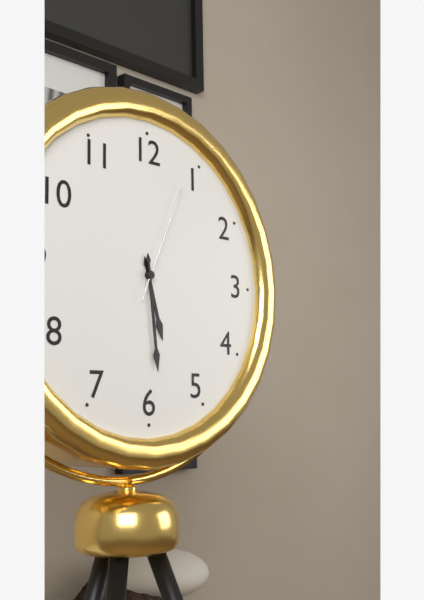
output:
5:29:04
